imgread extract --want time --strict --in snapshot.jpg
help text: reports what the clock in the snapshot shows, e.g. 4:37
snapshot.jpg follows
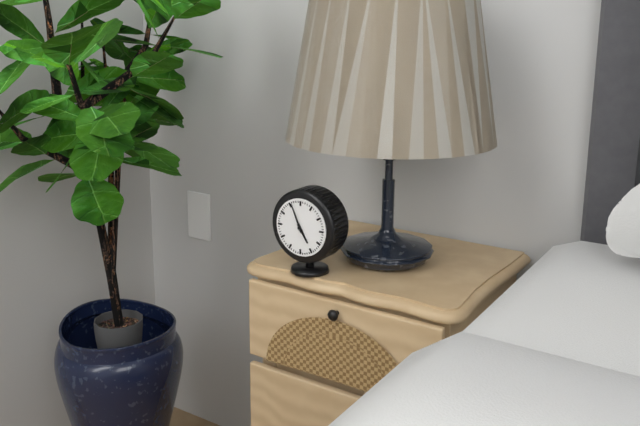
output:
4:56
